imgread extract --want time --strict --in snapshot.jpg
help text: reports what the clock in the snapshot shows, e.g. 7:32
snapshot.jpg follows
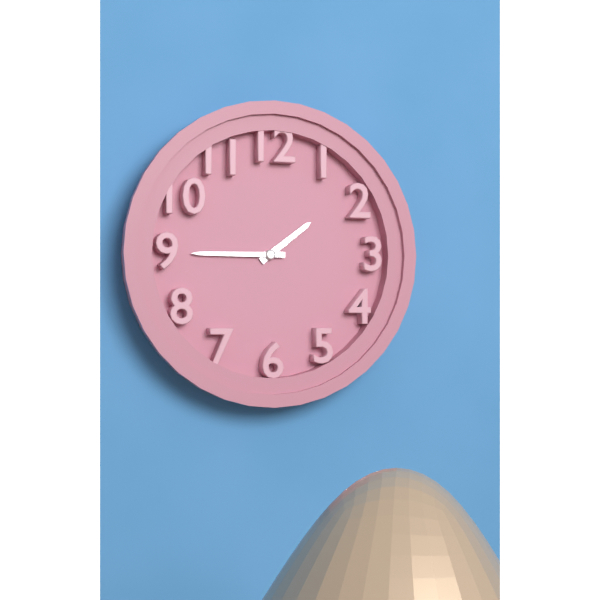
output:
1:45
